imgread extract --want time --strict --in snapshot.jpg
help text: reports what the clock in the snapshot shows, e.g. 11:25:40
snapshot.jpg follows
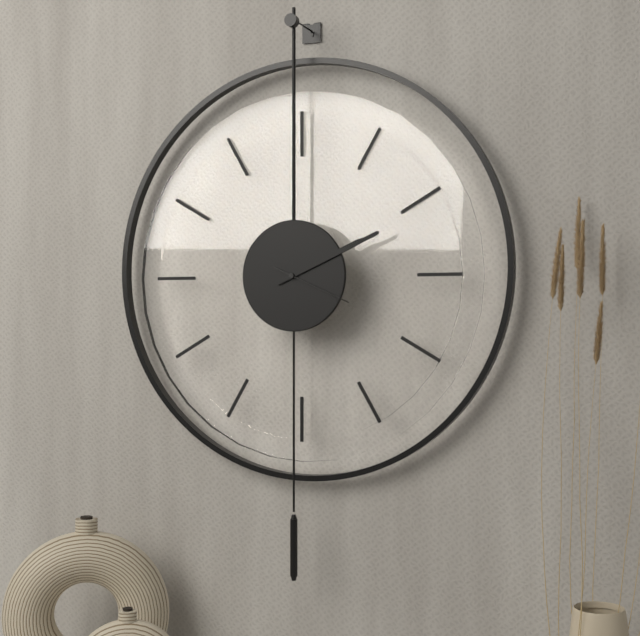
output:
2:11:19
